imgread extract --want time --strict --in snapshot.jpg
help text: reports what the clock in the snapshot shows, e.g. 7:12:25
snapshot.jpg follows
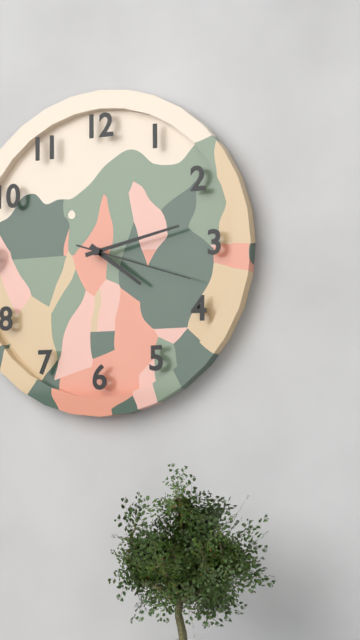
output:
4:13:18
